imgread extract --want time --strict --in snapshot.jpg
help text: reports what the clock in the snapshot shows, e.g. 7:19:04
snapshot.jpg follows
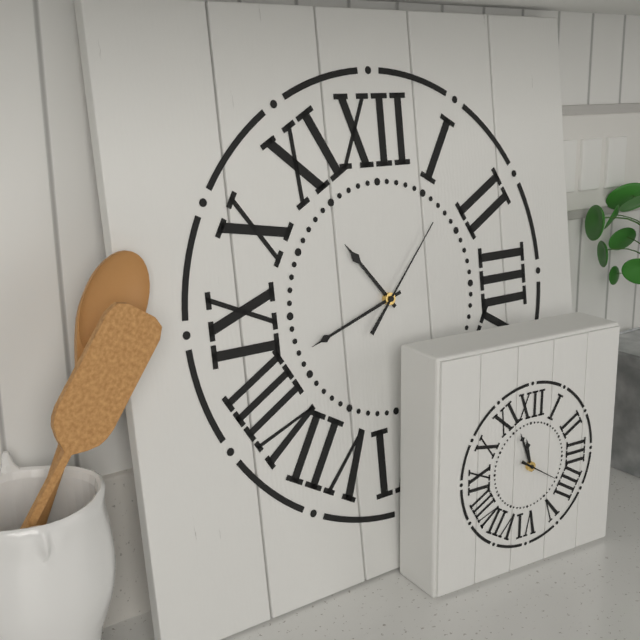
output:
10:42:07
